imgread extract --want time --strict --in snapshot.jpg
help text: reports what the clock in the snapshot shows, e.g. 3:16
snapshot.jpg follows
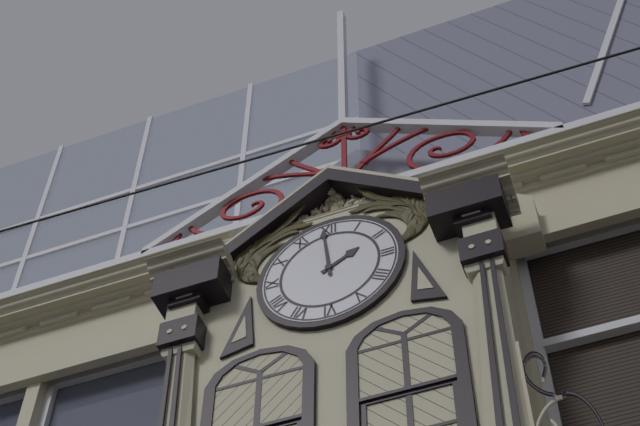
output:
1:59
